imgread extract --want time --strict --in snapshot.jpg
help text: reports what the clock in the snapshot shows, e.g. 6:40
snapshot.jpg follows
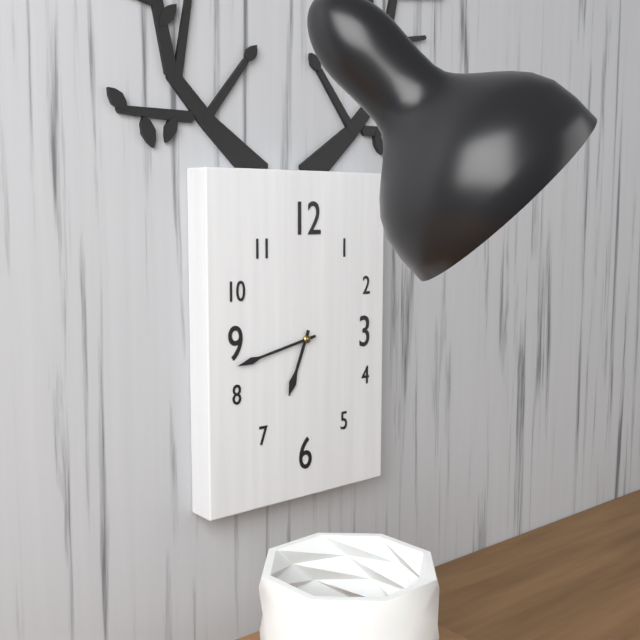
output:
6:43
